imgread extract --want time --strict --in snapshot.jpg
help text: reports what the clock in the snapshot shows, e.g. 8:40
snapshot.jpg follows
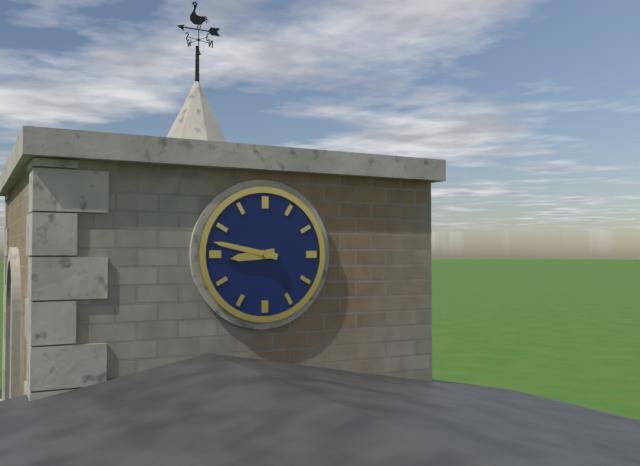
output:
8:47
